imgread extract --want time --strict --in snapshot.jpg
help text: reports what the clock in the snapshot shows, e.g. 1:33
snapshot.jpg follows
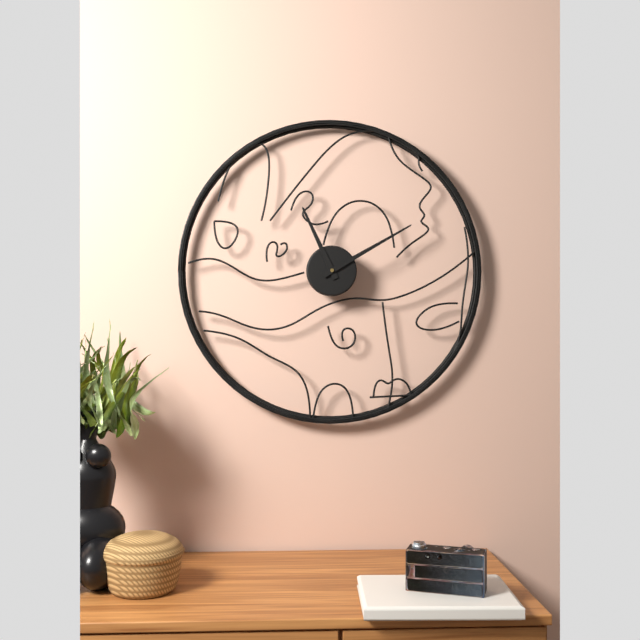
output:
11:10
